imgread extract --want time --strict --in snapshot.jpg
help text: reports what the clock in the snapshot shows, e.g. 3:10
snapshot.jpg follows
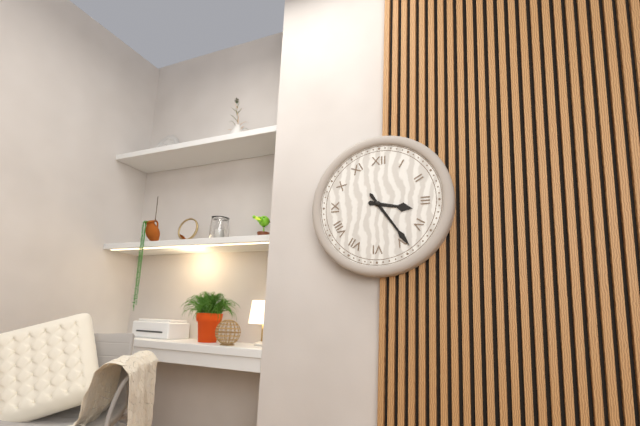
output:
3:24
